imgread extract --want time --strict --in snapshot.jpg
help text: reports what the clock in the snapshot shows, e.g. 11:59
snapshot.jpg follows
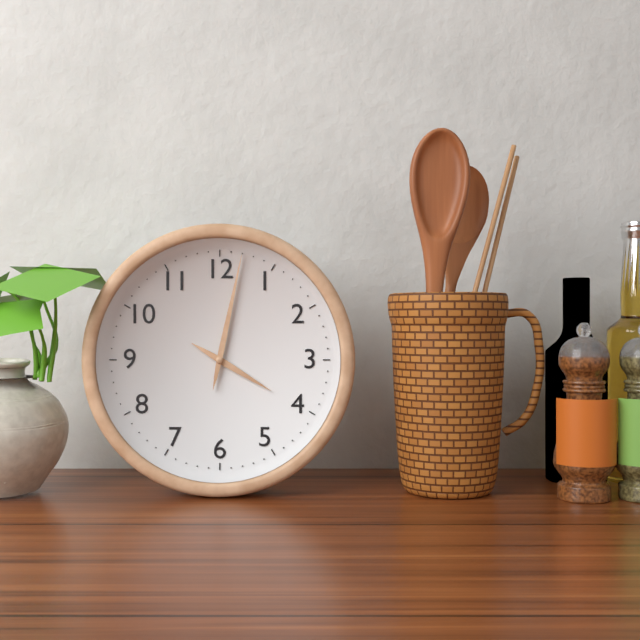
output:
4:02
